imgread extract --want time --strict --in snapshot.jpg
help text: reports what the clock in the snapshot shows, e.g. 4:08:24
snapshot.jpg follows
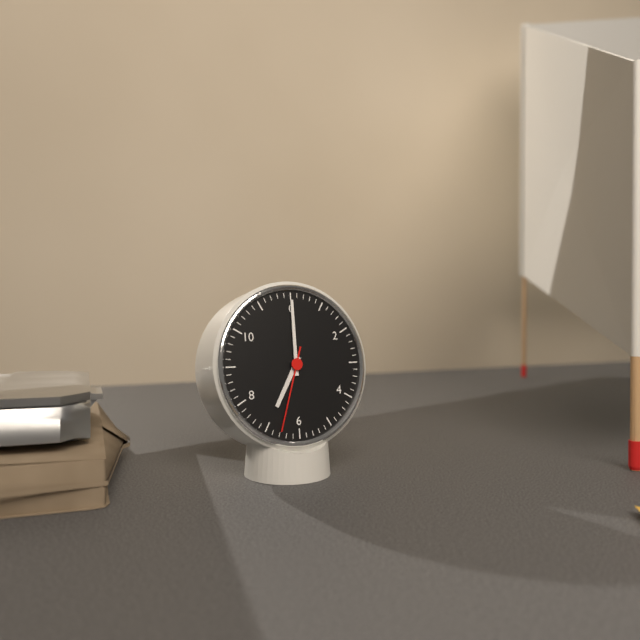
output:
7:00:33
